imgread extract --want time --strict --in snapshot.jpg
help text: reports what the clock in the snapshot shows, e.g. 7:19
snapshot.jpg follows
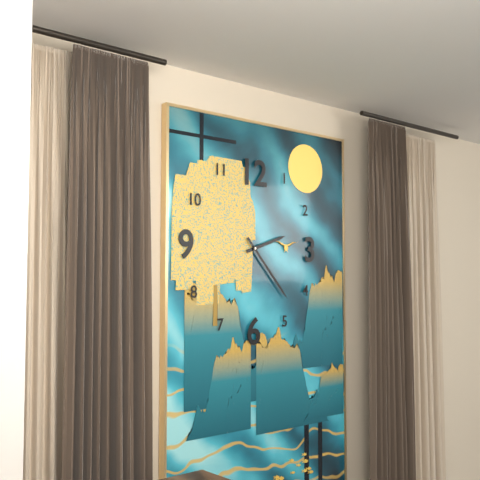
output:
2:23
